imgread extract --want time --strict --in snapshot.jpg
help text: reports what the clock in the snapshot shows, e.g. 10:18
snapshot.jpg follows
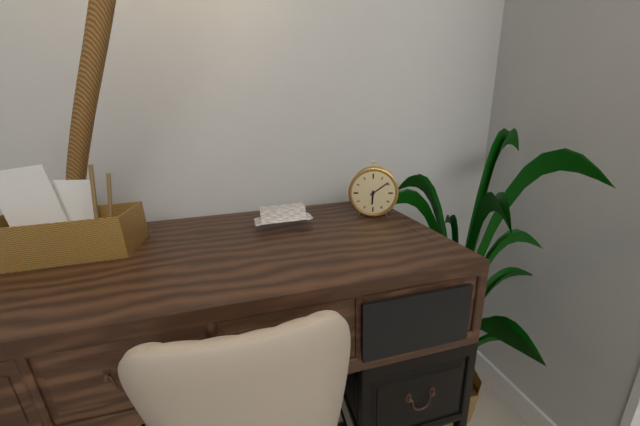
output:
6:09
